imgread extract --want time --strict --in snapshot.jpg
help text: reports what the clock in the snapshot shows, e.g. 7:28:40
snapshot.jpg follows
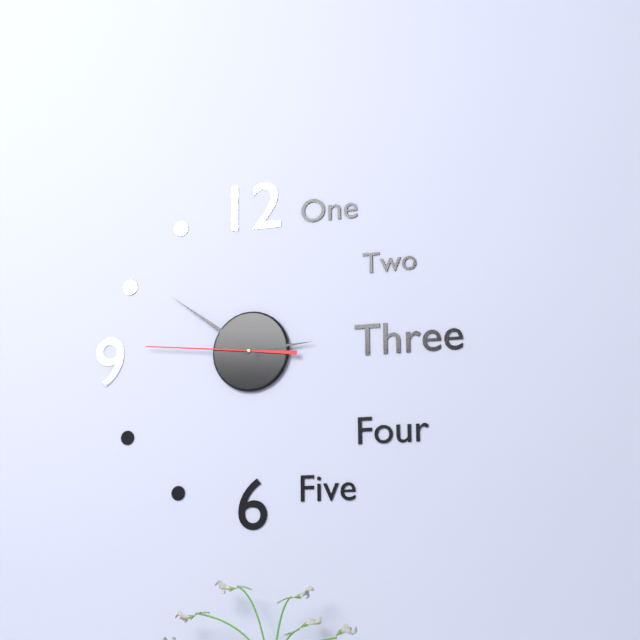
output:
2:51:46
